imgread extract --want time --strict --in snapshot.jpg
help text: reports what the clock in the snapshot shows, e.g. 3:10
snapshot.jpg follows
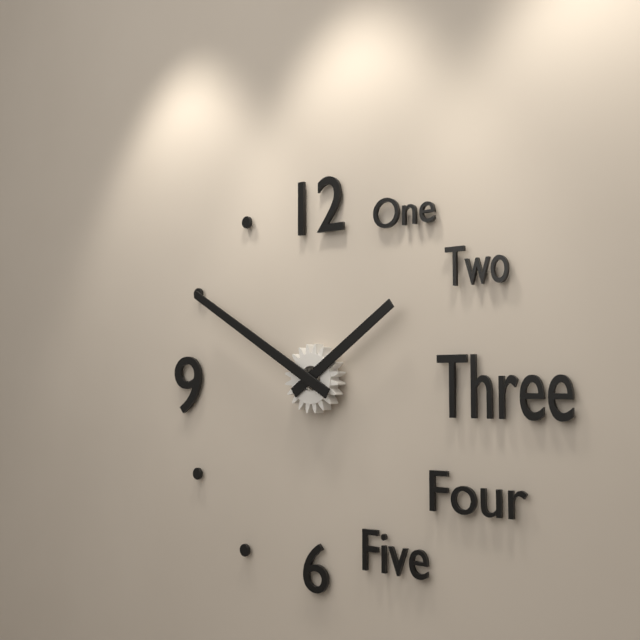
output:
1:50
